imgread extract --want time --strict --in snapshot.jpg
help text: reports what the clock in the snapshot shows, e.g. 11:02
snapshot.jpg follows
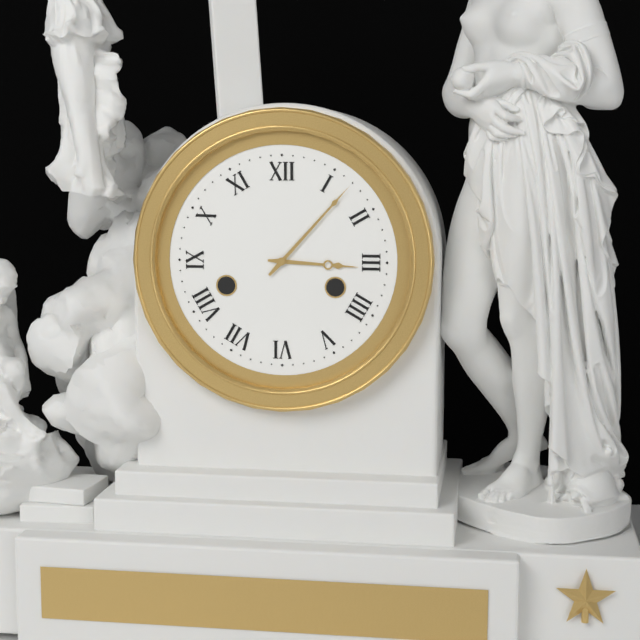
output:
3:07
